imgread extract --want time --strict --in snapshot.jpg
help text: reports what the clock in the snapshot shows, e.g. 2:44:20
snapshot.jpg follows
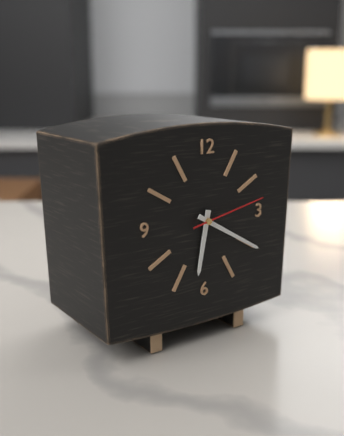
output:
6:20:13
